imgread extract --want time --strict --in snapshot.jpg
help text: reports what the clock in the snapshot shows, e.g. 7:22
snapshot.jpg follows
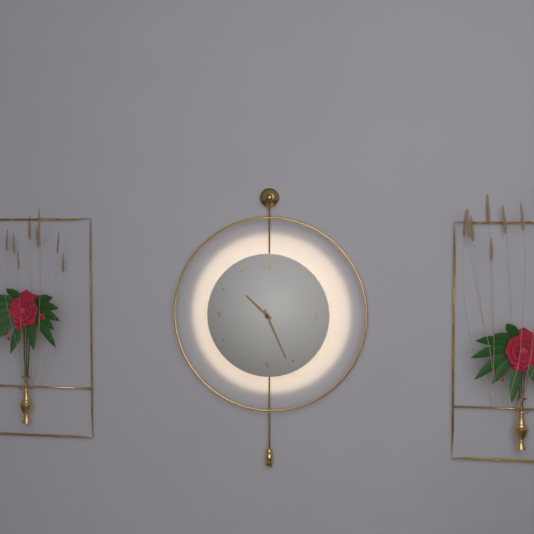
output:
10:26
